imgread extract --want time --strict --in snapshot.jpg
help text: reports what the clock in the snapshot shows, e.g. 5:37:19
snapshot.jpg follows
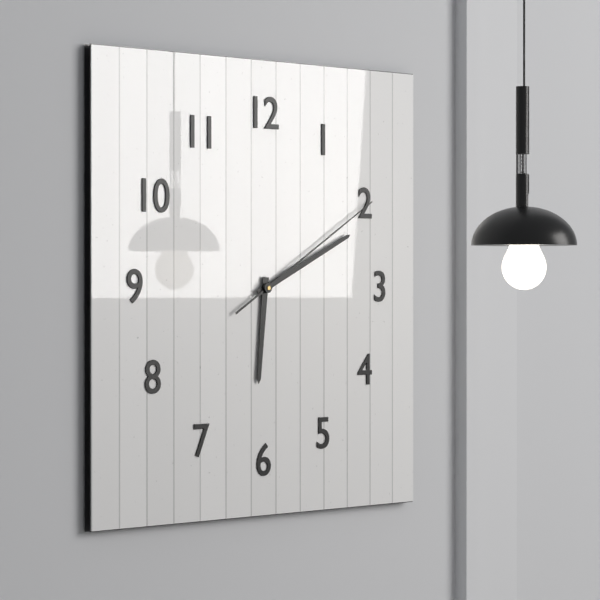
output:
6:11:10
